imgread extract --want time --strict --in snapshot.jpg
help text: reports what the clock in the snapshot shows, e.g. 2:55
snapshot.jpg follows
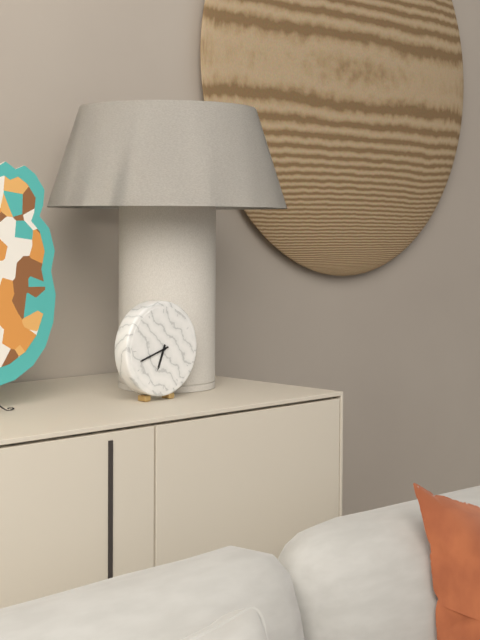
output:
6:42
